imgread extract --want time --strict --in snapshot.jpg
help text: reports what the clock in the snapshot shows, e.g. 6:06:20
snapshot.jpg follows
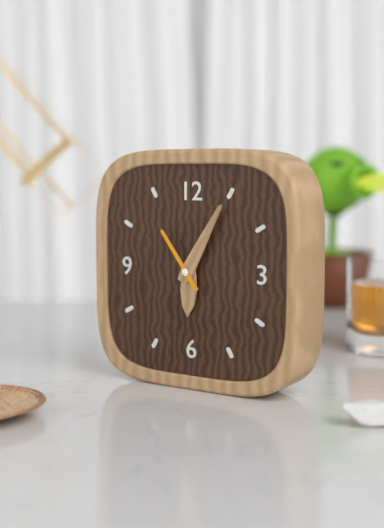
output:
6:05:54
